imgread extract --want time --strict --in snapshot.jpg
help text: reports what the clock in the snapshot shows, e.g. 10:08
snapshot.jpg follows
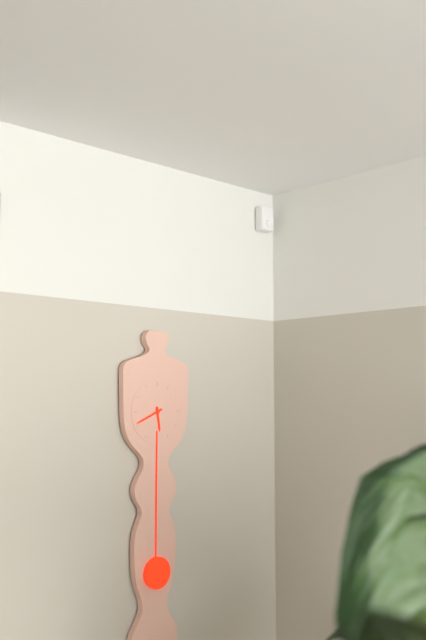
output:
5:41
